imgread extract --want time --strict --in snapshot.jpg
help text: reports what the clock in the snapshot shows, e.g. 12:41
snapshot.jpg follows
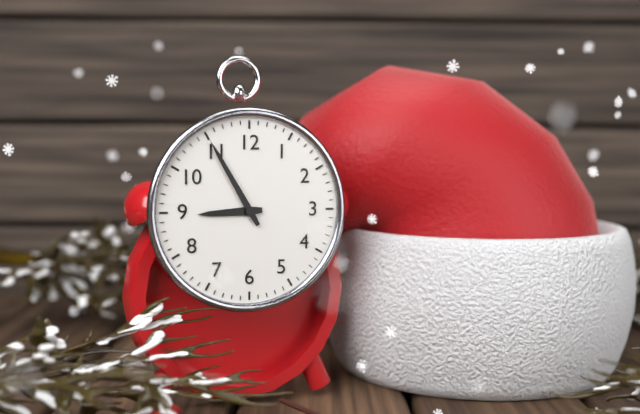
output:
8:55
